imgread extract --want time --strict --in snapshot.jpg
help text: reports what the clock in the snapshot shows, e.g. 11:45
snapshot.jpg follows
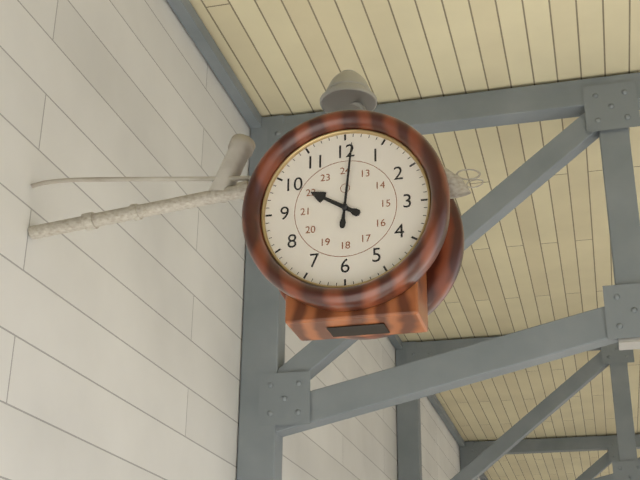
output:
10:01
